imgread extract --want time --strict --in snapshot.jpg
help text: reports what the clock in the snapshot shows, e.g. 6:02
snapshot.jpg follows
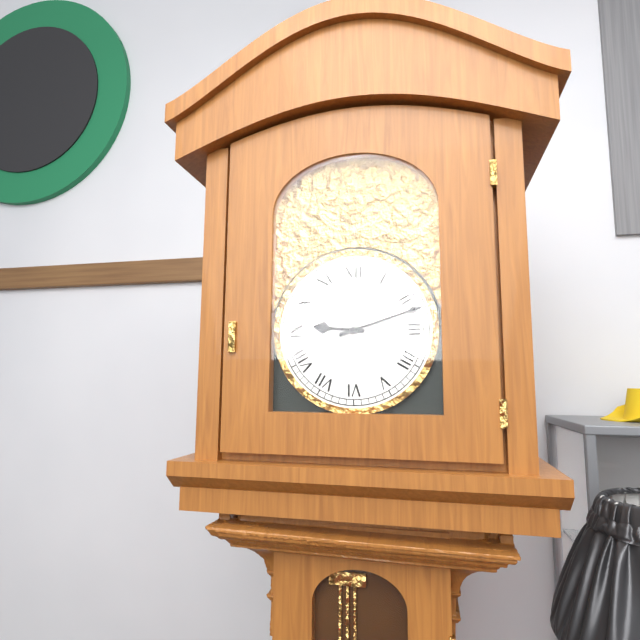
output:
9:12
